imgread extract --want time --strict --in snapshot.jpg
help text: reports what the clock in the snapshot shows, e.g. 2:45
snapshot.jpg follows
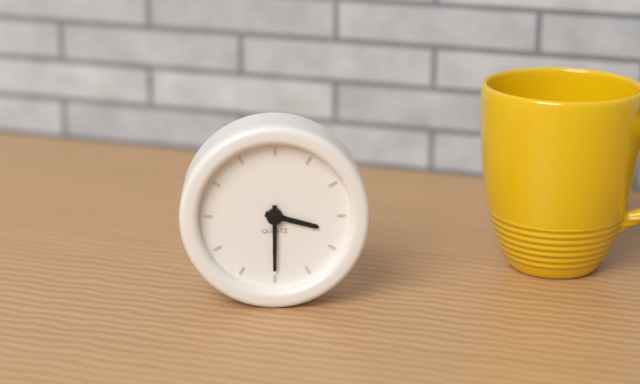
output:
3:30
